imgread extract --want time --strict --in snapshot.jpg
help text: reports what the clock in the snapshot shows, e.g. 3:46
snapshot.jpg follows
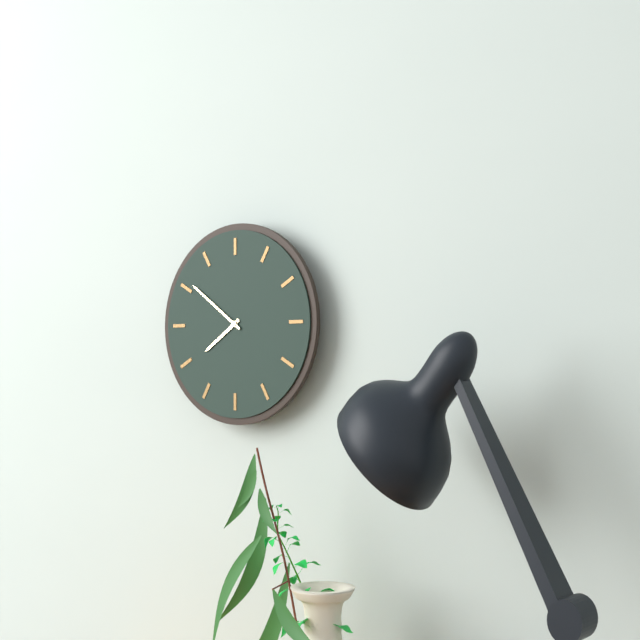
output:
7:51
